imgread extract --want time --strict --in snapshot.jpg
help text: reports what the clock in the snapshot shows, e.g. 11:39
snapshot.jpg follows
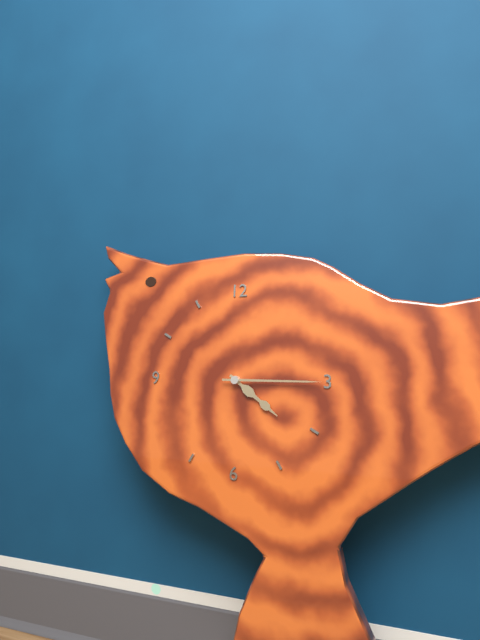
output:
4:15
